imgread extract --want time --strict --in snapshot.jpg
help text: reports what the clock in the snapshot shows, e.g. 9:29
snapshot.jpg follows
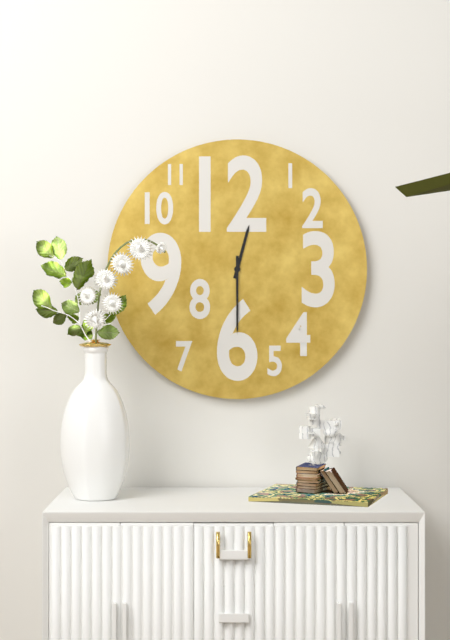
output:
12:30
